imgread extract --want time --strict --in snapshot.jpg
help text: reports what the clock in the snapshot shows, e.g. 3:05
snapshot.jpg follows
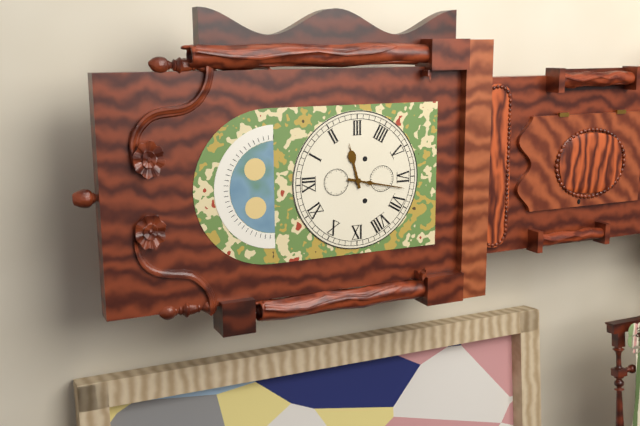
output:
2:32
